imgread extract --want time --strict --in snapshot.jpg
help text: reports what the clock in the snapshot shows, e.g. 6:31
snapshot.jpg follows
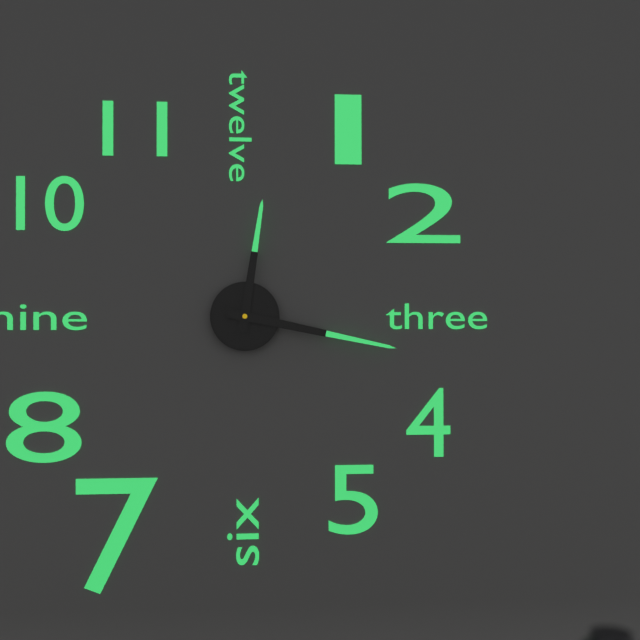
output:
12:17
